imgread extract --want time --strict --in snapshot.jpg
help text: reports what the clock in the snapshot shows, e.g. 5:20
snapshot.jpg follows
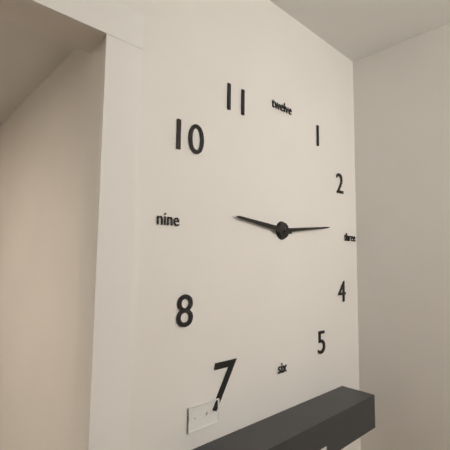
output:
9:14
